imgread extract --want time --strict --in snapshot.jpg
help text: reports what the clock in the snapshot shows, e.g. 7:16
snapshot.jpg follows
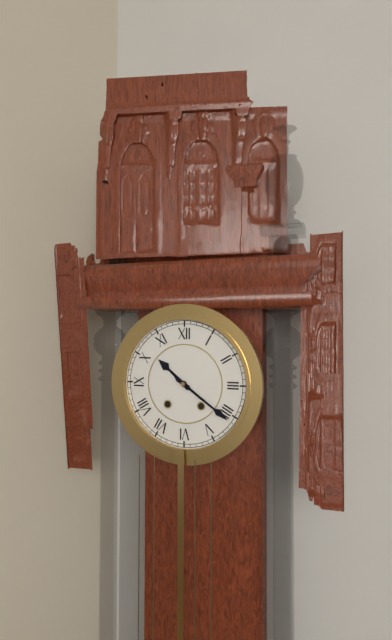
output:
10:21
